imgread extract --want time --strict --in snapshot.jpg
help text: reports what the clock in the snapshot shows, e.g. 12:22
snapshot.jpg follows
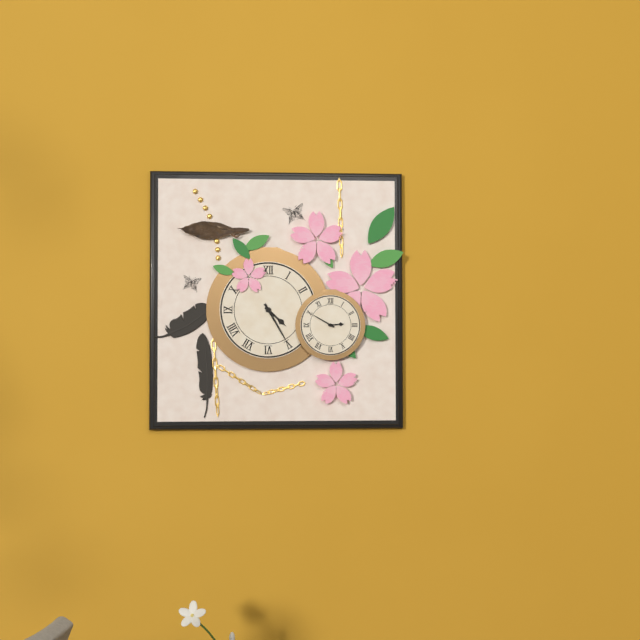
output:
4:25
